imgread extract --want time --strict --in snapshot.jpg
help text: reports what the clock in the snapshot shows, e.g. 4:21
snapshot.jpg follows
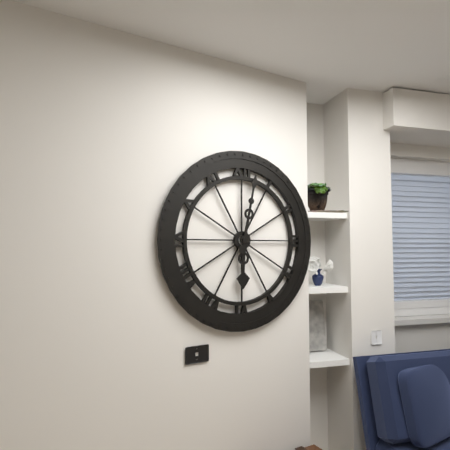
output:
6:02
